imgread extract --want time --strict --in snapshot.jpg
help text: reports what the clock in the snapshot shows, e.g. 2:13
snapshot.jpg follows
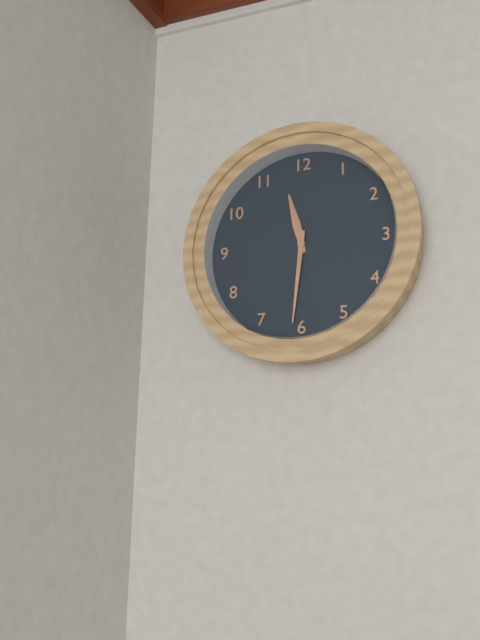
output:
11:31
